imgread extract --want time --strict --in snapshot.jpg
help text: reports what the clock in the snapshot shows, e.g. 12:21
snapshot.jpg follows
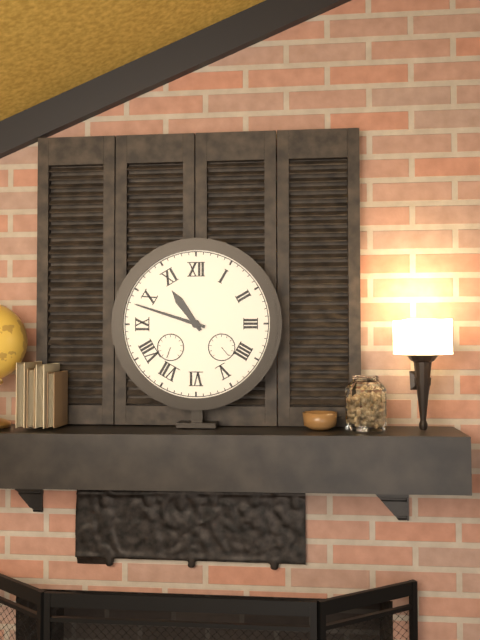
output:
10:48
